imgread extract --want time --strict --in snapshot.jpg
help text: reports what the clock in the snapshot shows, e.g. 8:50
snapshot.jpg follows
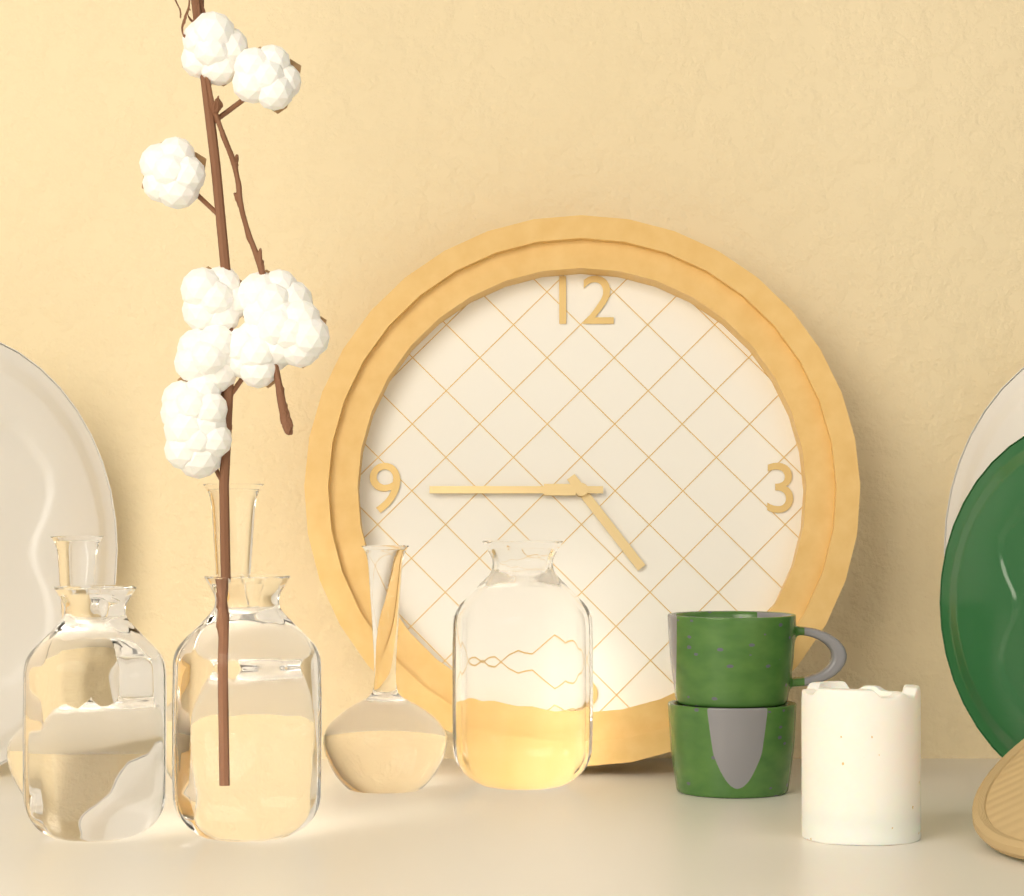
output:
4:45
